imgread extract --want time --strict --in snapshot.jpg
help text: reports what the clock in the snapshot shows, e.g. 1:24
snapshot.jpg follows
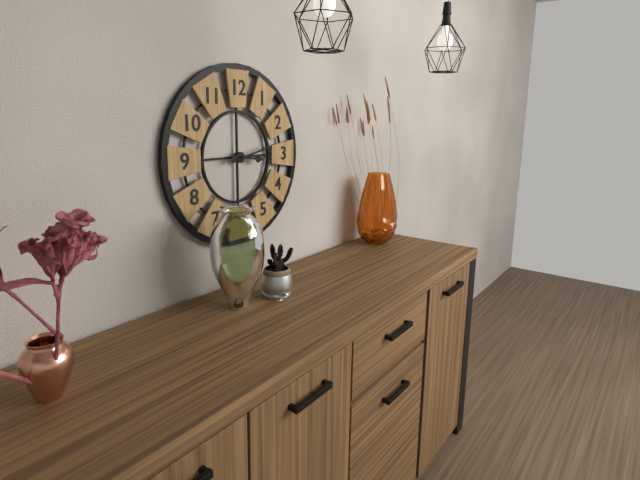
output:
3:13
